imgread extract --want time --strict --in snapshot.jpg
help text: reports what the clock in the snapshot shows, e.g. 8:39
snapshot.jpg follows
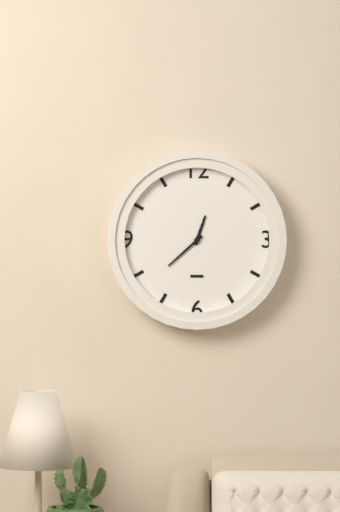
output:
12:38
